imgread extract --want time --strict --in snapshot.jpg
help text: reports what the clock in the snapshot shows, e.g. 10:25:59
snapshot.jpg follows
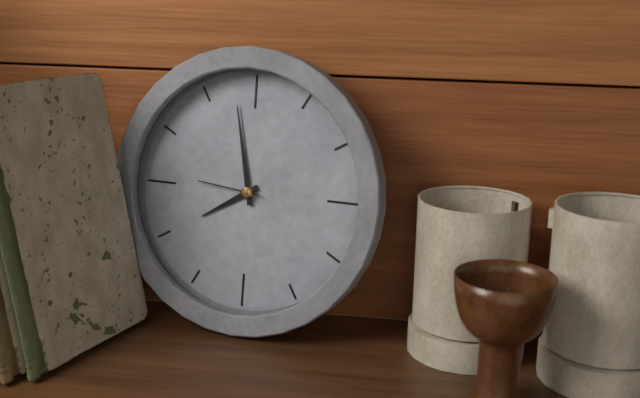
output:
7:58:46
